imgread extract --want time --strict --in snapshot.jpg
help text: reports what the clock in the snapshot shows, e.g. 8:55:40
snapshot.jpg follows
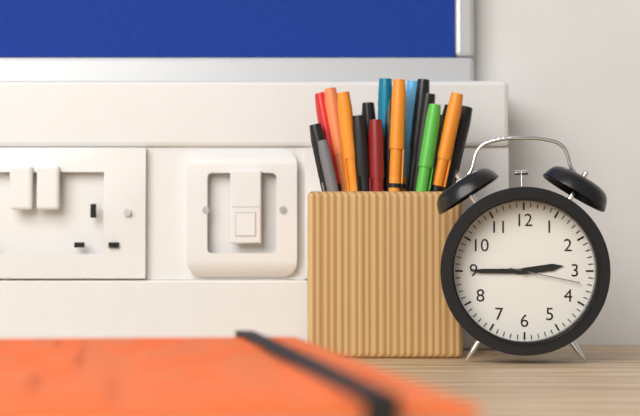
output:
2:45:17
